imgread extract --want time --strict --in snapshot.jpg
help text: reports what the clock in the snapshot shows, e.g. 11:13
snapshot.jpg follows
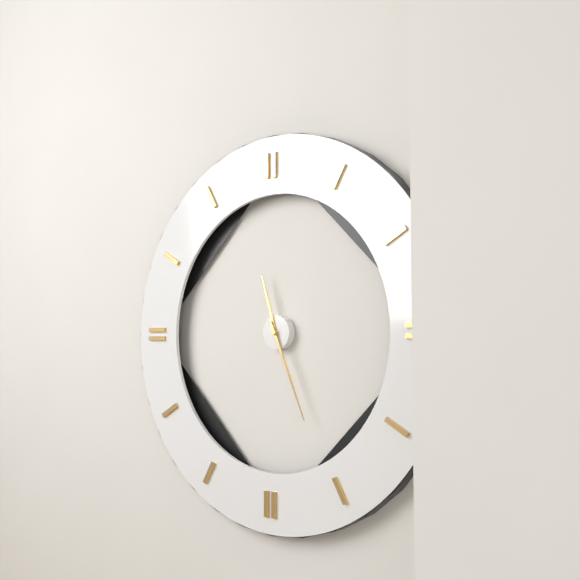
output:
11:26
